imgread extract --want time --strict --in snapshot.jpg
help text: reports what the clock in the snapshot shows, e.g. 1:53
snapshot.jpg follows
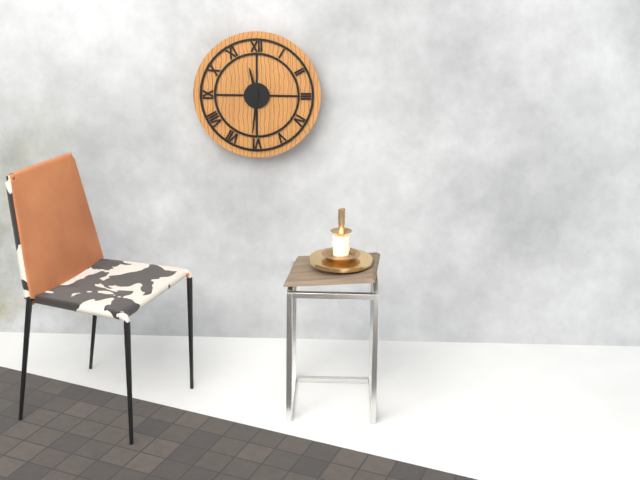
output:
11:31
